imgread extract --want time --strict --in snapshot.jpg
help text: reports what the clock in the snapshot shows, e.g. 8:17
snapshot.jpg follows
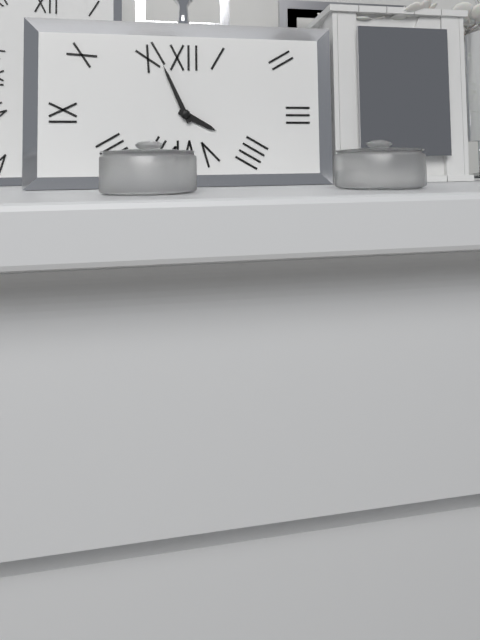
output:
3:56
